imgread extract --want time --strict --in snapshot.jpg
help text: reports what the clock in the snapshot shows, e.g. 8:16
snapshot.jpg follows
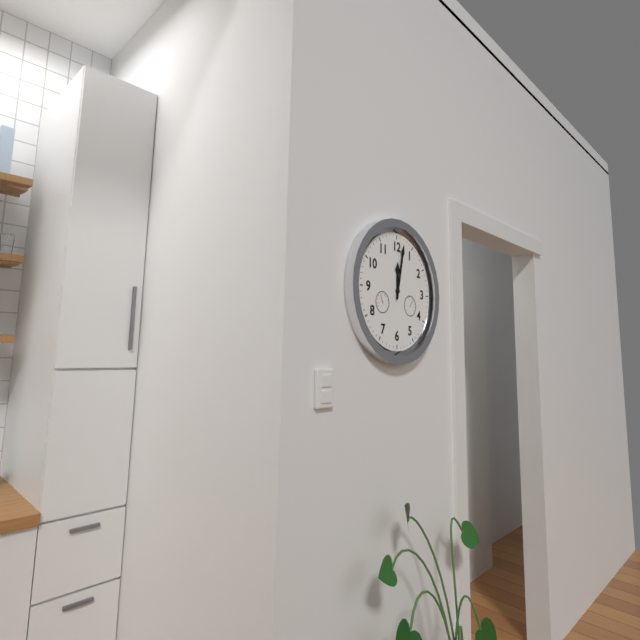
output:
12:02
